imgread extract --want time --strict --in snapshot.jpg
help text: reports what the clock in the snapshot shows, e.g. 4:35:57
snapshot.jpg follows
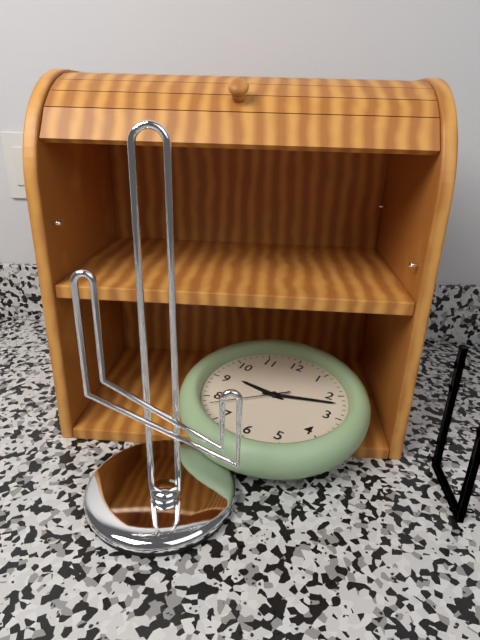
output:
9:12:38
